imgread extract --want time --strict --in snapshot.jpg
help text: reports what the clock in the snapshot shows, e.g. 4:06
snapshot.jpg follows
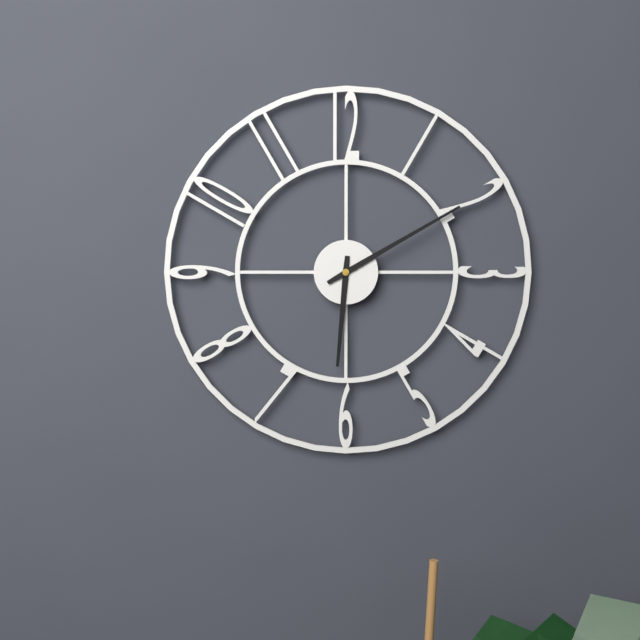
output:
6:10
